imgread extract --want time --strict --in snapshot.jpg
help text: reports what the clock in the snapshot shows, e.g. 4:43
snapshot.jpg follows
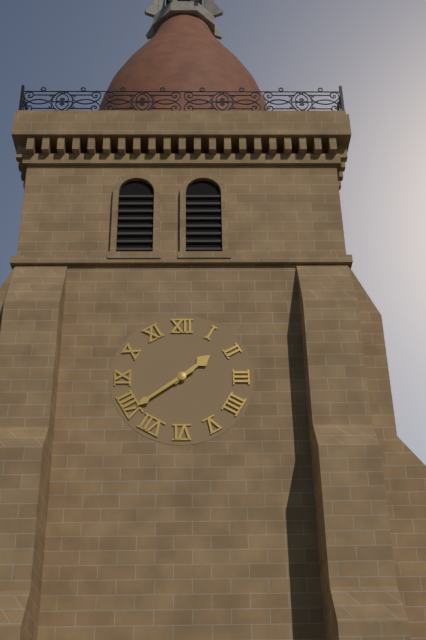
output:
1:39
